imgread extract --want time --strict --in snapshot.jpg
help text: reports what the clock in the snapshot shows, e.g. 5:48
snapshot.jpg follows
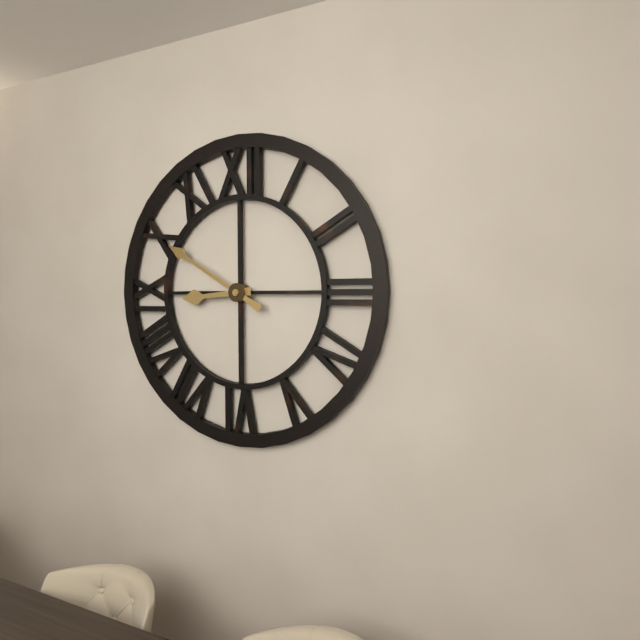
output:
8:50
